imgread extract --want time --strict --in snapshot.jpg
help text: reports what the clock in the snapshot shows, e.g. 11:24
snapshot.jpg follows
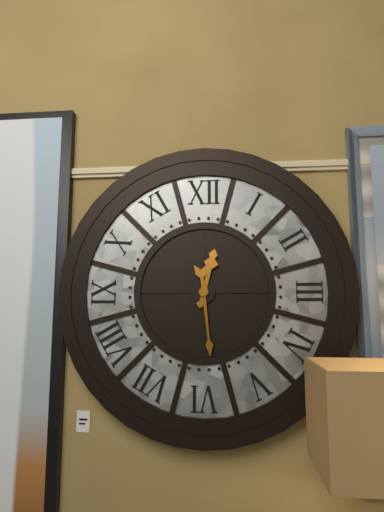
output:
12:29
